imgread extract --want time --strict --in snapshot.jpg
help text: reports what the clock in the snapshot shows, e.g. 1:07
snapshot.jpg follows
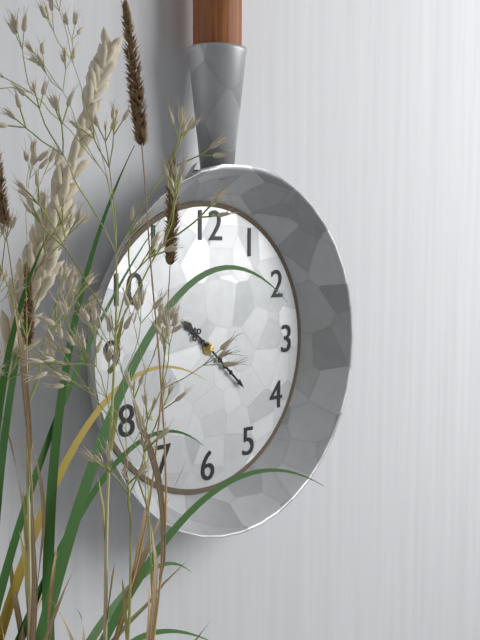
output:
10:22
